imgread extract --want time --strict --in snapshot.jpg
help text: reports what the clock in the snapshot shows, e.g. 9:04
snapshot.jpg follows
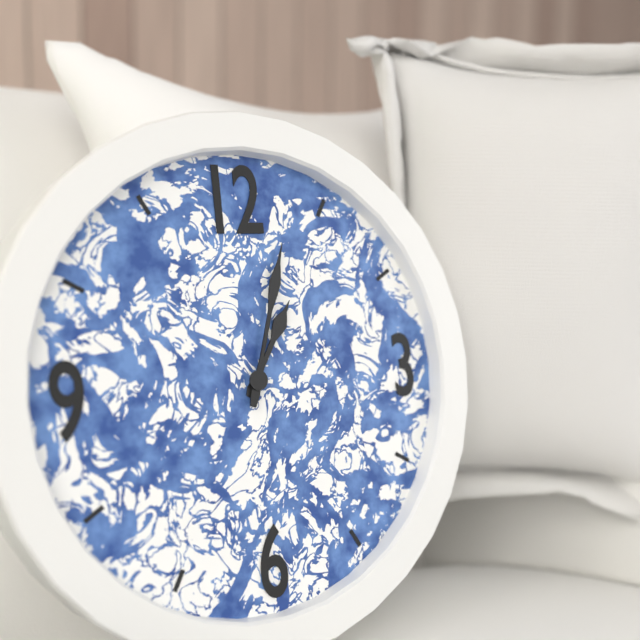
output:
1:03
